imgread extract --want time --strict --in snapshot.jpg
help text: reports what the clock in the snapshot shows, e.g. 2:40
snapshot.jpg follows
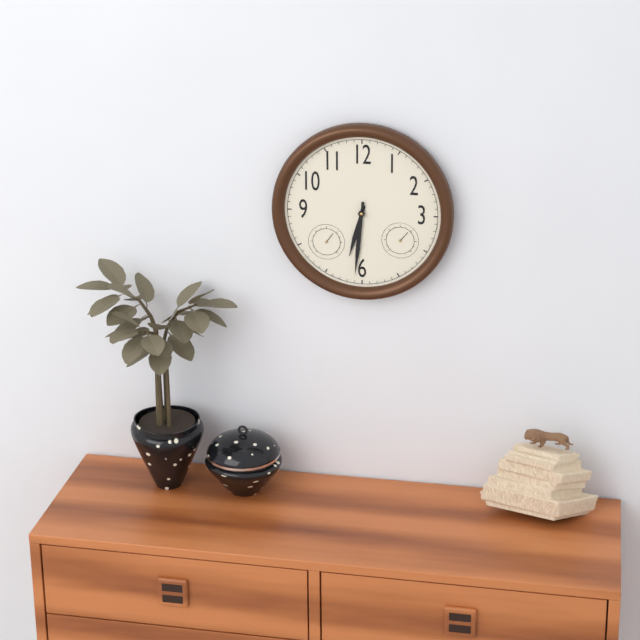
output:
6:31
